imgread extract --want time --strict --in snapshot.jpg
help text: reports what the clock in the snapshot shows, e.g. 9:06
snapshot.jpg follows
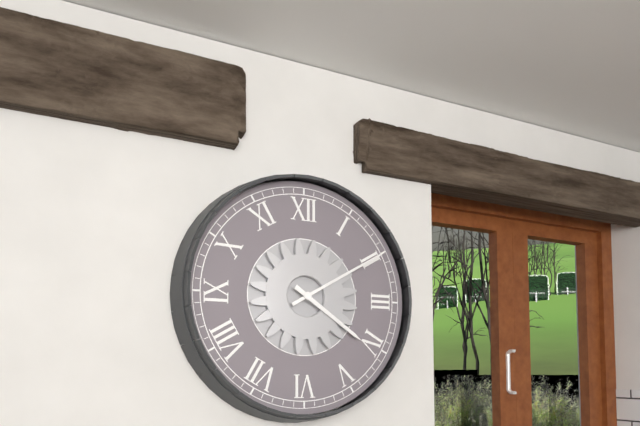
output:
4:10
